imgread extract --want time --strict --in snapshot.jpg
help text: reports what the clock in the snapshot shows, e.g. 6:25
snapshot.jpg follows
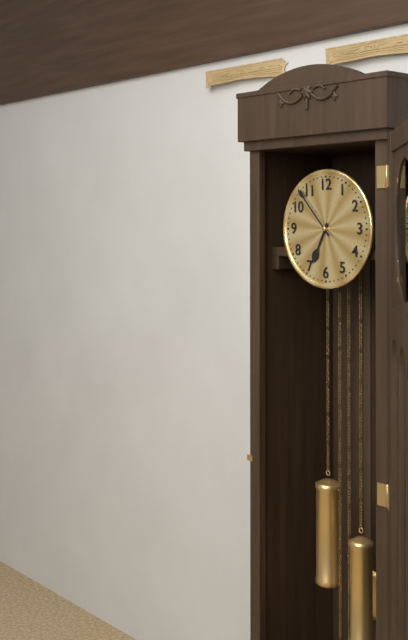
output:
6:53
